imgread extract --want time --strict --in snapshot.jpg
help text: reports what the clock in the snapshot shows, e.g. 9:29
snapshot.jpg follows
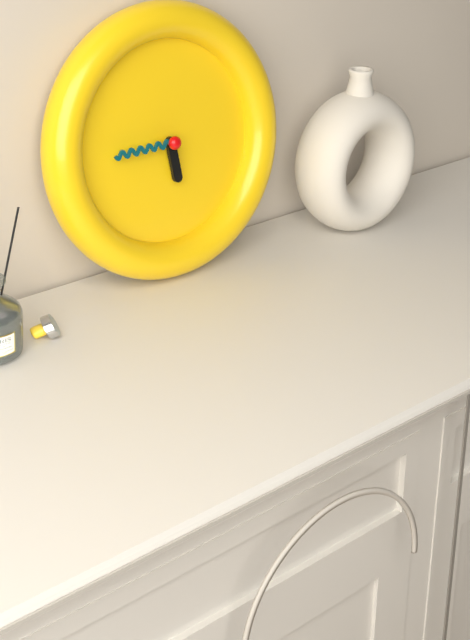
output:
5:45
